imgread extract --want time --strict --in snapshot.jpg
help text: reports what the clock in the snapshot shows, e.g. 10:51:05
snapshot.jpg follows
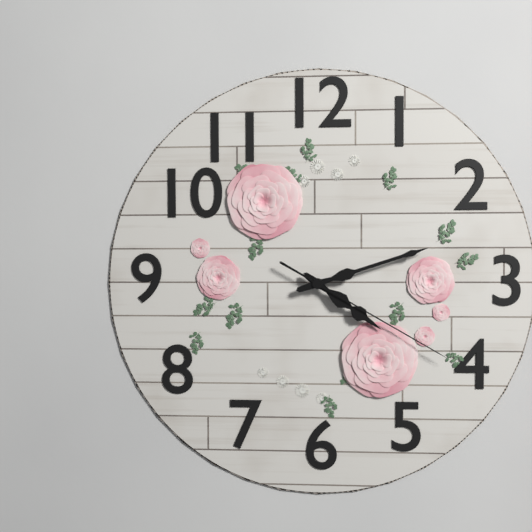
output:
4:12:20
